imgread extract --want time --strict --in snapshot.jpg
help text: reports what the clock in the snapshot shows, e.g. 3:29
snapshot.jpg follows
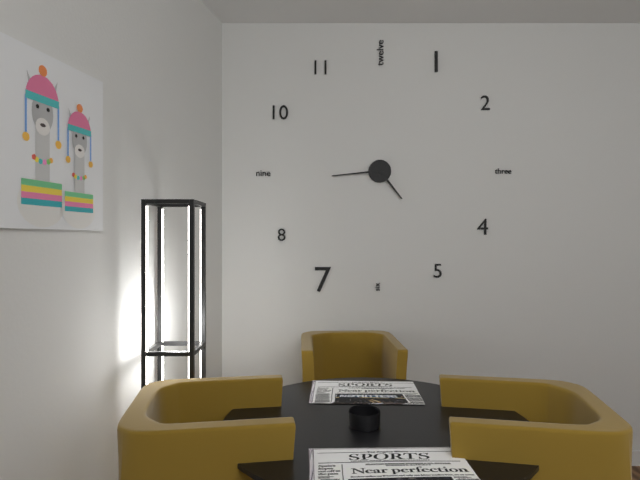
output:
4:44
